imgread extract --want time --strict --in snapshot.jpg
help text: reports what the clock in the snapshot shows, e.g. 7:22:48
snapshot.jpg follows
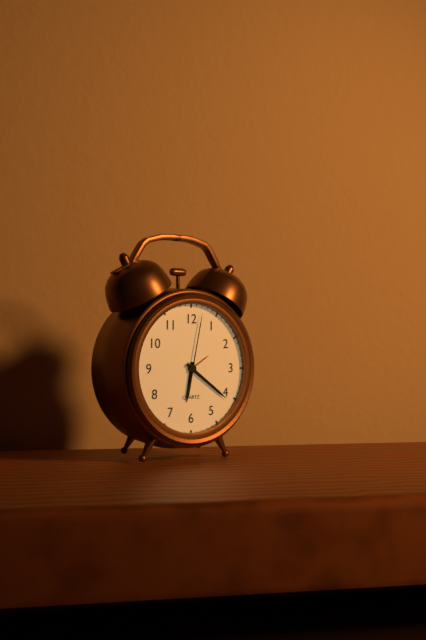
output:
6:21:02
